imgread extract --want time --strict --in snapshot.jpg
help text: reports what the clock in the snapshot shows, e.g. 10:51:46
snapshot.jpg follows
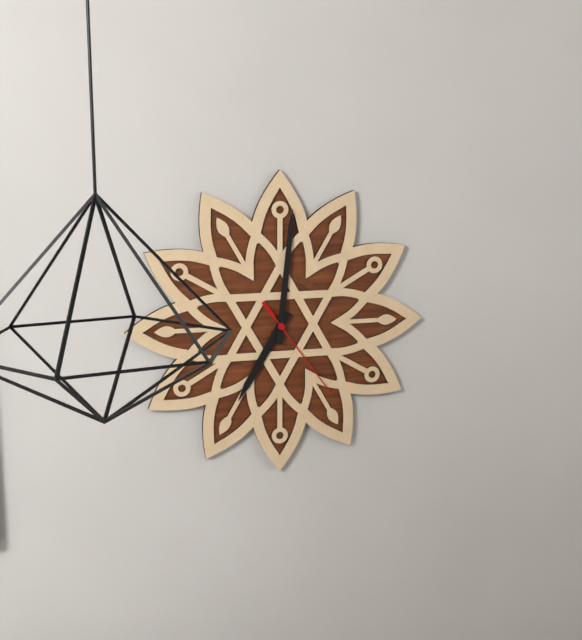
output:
7:01:24
